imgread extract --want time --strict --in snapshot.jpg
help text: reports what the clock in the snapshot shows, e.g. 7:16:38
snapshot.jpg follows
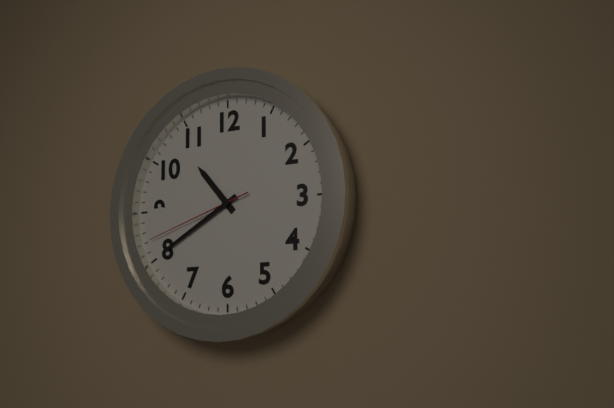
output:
10:40:42
